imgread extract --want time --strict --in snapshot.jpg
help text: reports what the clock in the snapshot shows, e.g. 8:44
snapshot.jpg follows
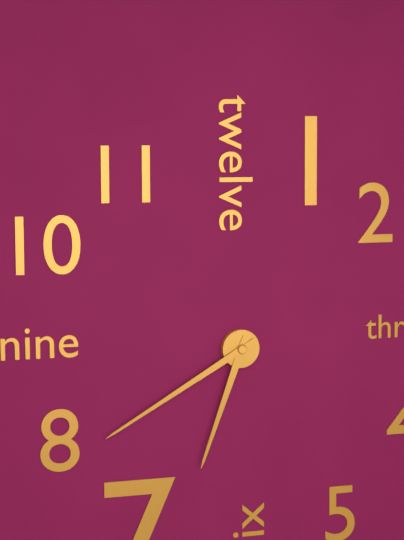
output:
6:40
